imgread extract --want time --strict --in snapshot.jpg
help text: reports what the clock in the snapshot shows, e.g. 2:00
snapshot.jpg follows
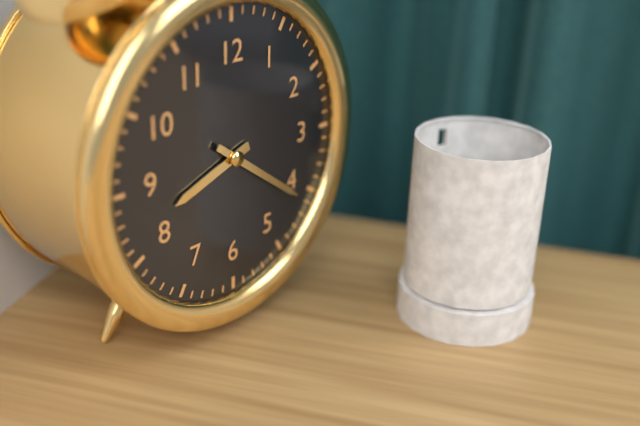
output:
8:21
